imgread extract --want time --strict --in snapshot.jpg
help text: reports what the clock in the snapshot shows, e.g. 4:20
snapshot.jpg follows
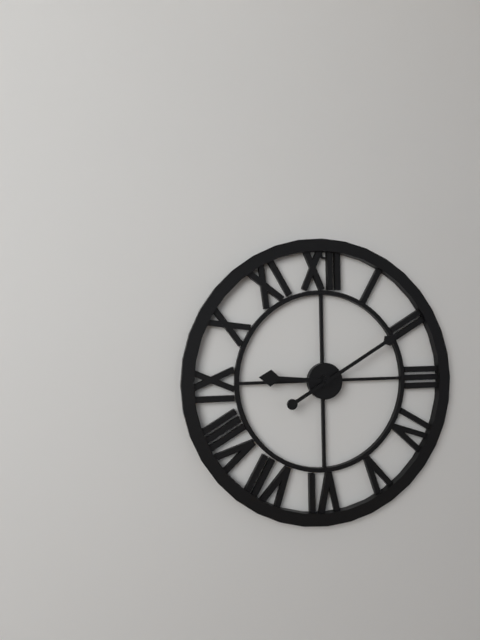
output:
9:10
